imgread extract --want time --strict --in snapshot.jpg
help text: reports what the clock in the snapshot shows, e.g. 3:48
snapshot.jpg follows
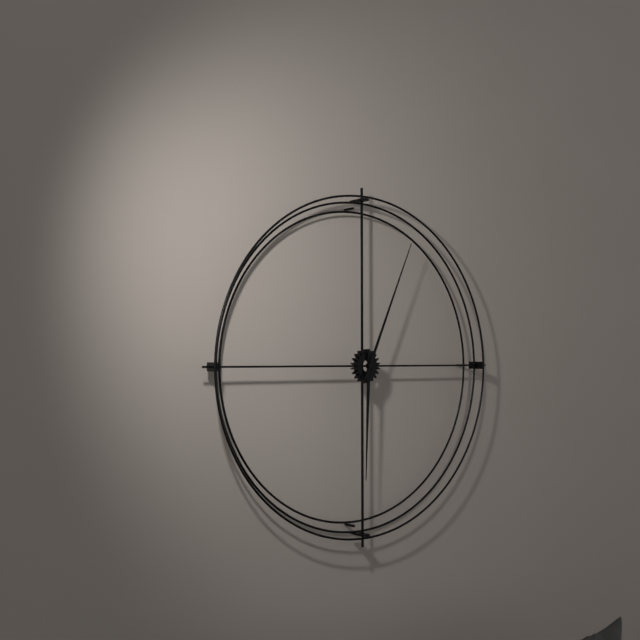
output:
6:04
